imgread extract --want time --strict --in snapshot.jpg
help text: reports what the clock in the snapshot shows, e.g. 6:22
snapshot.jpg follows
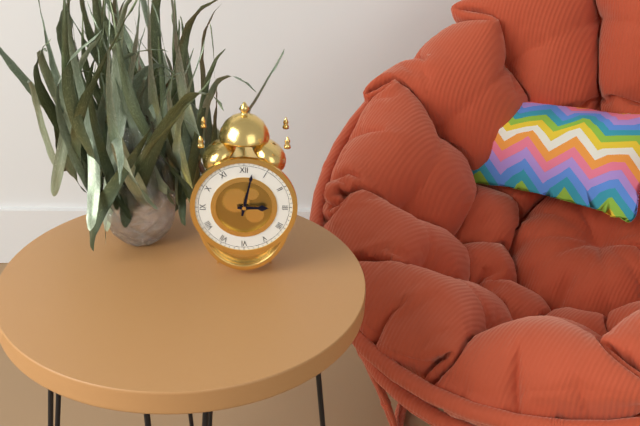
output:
3:02
